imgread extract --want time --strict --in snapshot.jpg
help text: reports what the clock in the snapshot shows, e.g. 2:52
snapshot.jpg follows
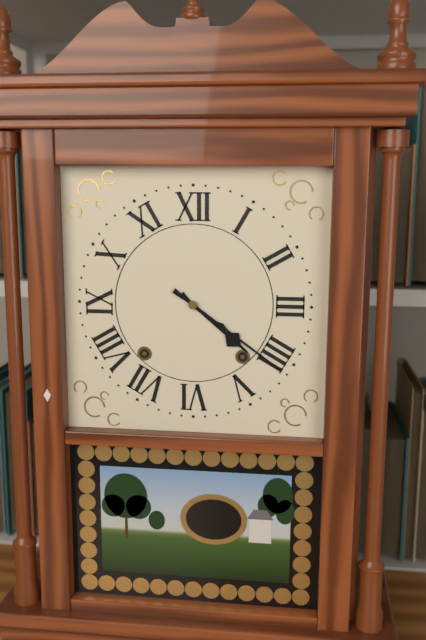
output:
4:21
